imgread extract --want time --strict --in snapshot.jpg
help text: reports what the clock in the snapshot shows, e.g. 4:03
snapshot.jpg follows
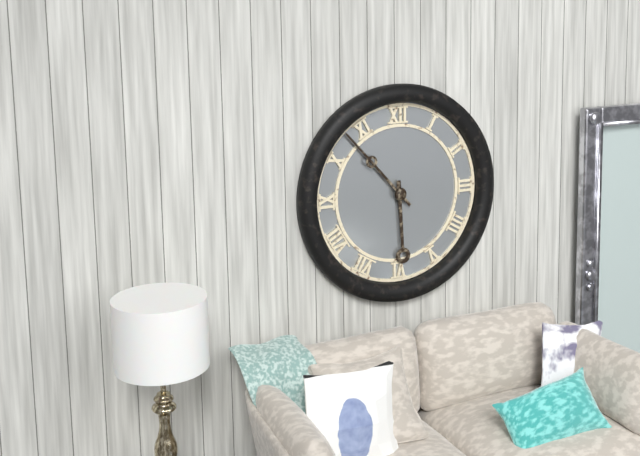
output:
5:53
